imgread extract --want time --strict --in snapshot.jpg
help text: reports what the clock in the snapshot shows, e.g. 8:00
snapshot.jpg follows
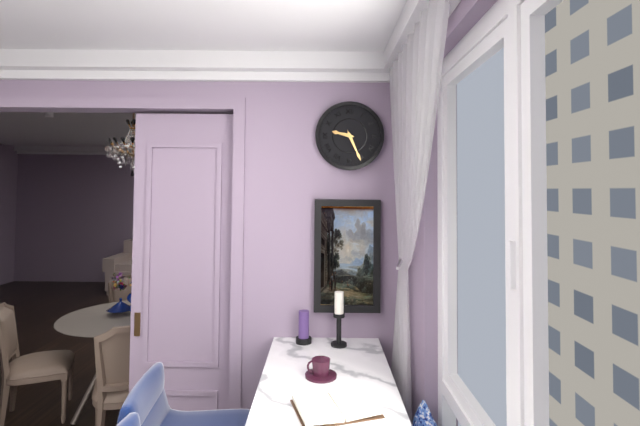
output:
9:26
